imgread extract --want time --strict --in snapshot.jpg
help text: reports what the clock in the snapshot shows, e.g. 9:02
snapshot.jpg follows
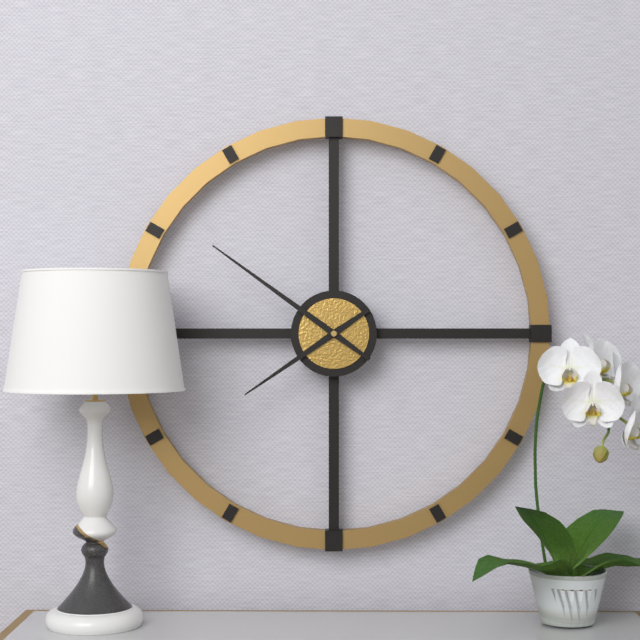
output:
7:51
